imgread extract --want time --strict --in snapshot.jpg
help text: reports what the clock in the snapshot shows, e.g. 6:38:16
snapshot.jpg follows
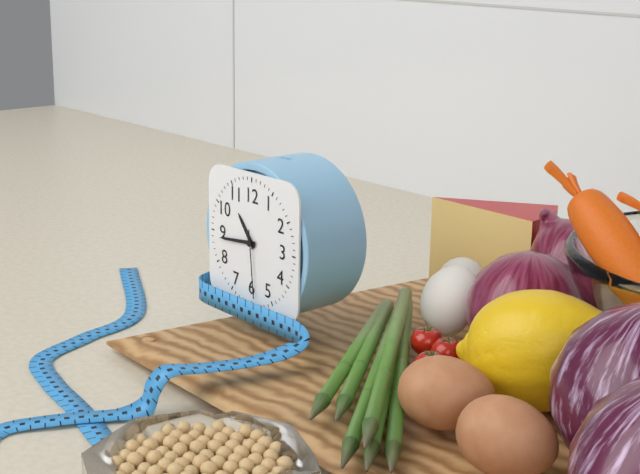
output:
10:44:29
